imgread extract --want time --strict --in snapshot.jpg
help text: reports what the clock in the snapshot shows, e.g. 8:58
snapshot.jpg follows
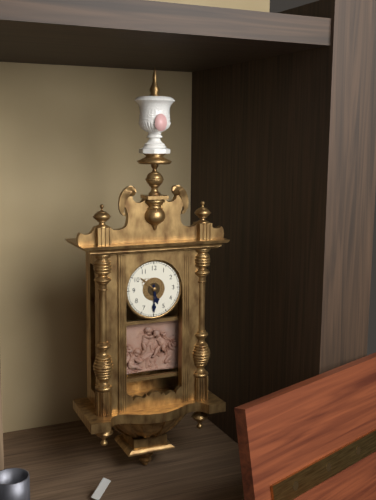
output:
5:30
